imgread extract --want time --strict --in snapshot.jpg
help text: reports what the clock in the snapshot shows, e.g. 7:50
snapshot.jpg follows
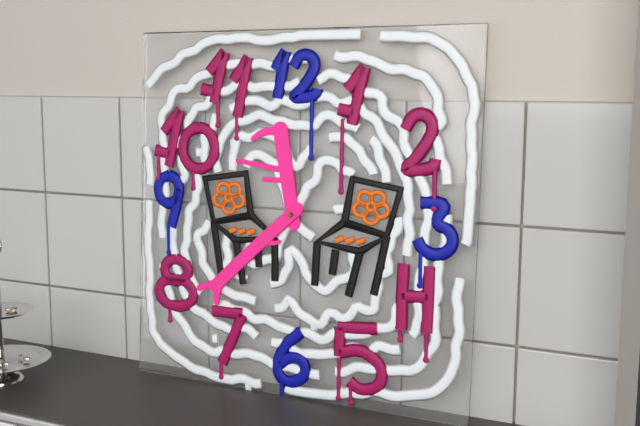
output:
11:38
